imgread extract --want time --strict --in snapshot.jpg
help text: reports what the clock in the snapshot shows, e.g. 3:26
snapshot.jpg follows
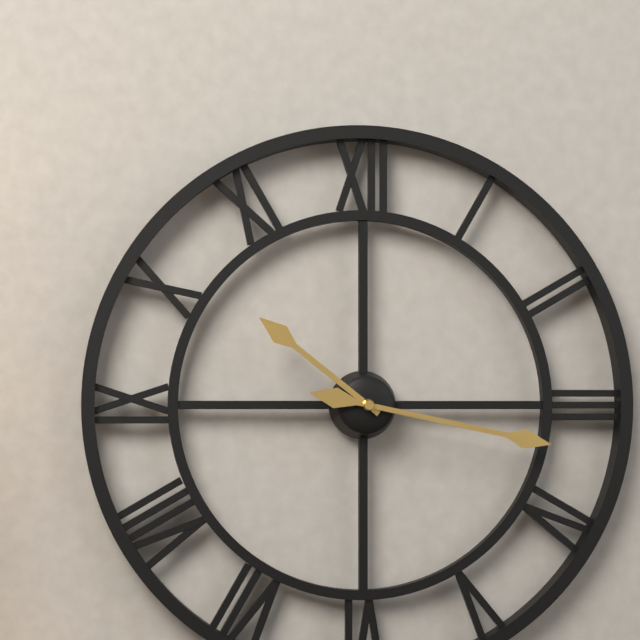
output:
10:17
